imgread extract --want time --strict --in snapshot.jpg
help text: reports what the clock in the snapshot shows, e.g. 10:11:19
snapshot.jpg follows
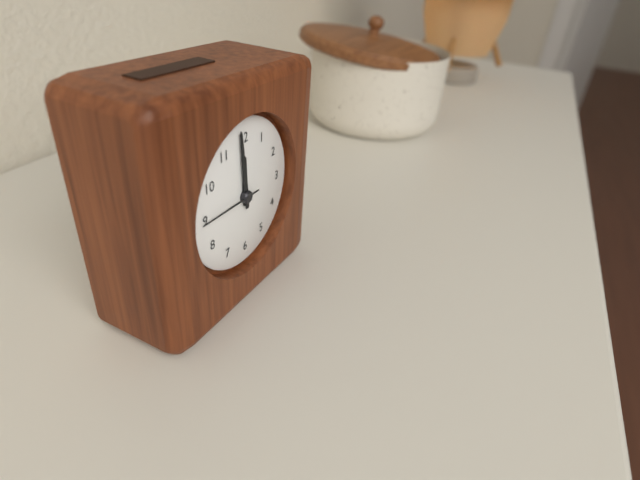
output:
11:59:45
